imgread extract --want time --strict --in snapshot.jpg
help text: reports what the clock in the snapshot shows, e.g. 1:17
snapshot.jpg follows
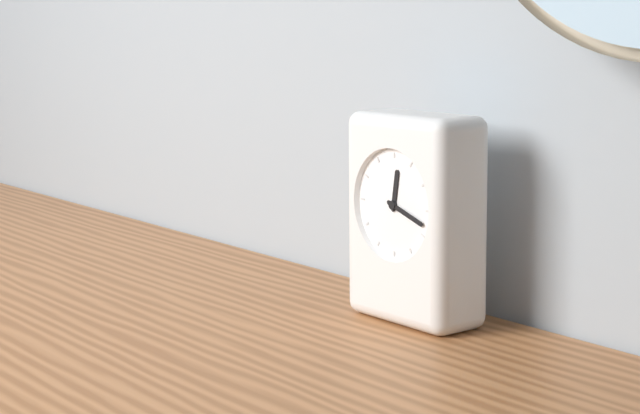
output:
12:18
